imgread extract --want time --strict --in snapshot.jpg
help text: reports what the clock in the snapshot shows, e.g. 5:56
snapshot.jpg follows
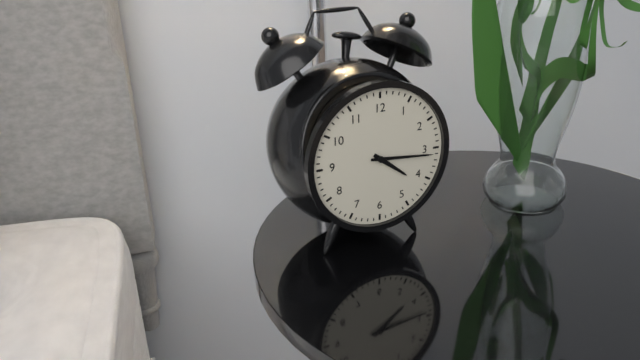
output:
4:16
